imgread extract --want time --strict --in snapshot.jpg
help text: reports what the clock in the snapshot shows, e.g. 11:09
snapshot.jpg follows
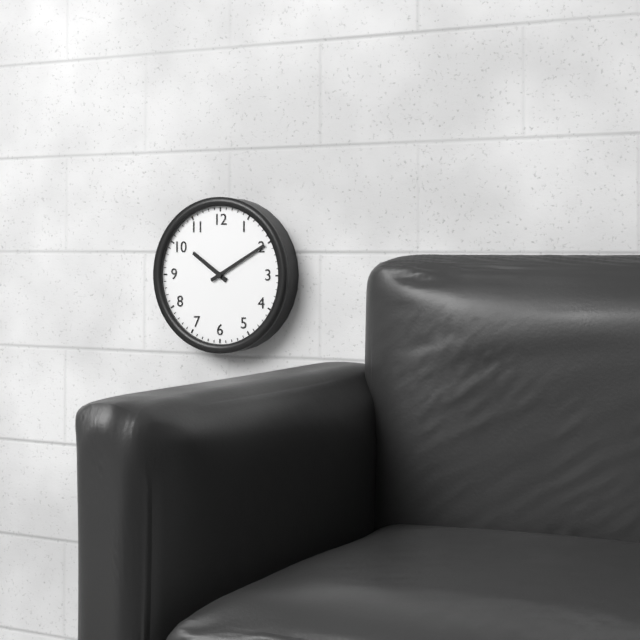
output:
10:10
